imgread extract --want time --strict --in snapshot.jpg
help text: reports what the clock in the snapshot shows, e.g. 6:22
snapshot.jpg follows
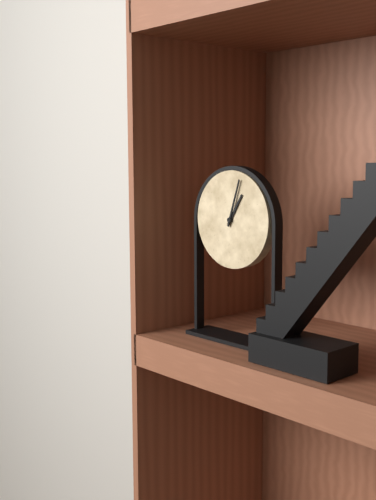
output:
1:03
